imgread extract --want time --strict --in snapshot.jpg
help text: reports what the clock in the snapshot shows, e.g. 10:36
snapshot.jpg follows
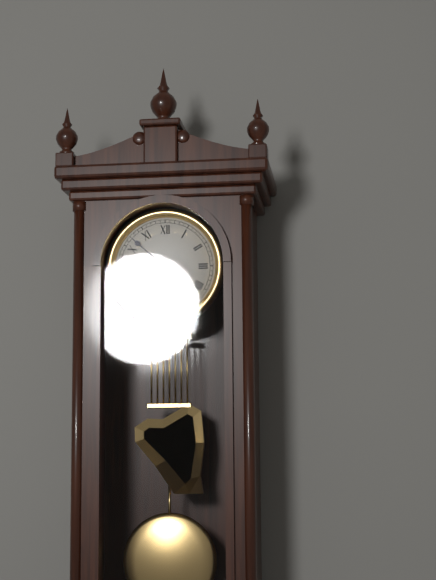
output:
8:52
